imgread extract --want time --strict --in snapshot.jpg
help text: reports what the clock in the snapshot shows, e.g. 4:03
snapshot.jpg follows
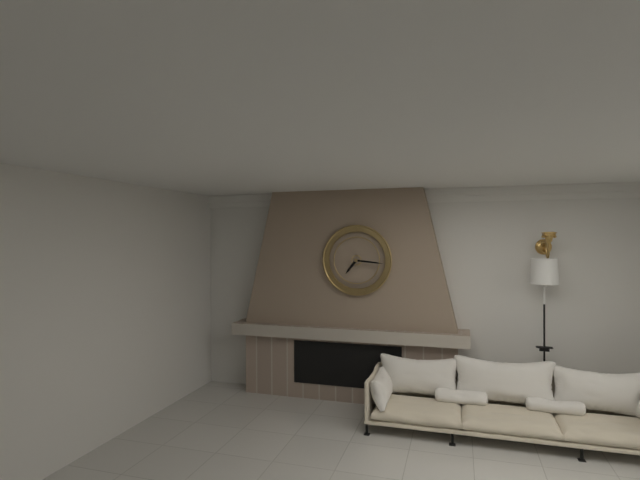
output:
7:16
